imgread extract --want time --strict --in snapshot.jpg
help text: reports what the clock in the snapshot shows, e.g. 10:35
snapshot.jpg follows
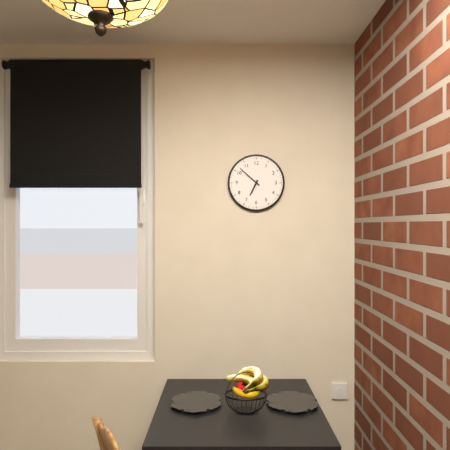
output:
6:52
